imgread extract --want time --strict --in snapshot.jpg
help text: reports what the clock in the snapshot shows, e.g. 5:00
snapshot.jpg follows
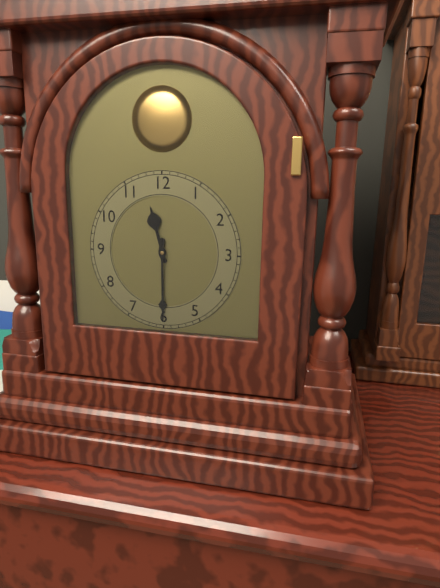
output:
11:30
